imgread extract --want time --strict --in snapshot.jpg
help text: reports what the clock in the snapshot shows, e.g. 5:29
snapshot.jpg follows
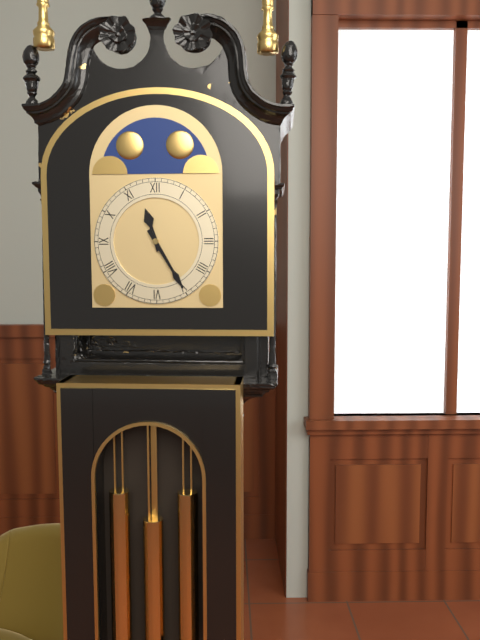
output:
11:25
